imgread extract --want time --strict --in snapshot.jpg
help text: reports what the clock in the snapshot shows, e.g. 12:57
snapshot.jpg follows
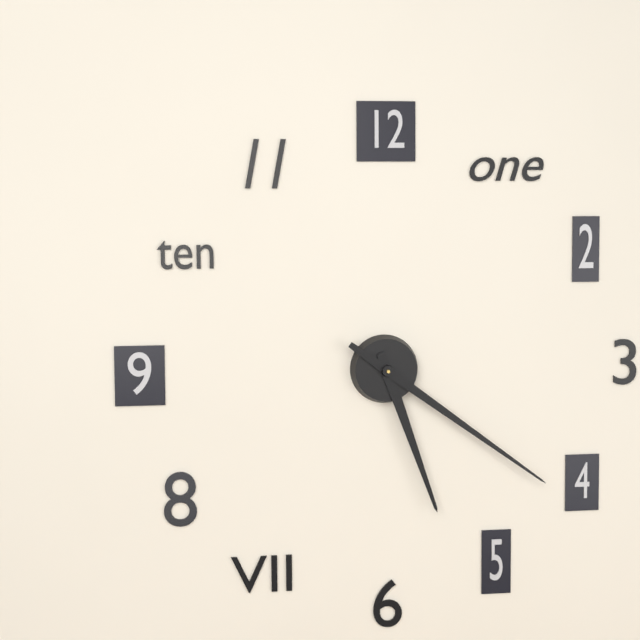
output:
5:21
